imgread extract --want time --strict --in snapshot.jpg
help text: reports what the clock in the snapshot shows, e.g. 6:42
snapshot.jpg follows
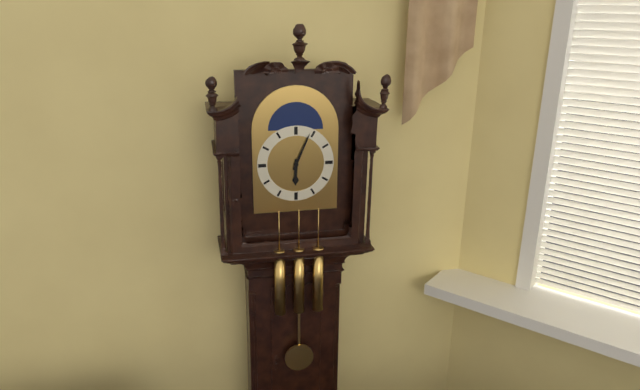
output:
6:04
